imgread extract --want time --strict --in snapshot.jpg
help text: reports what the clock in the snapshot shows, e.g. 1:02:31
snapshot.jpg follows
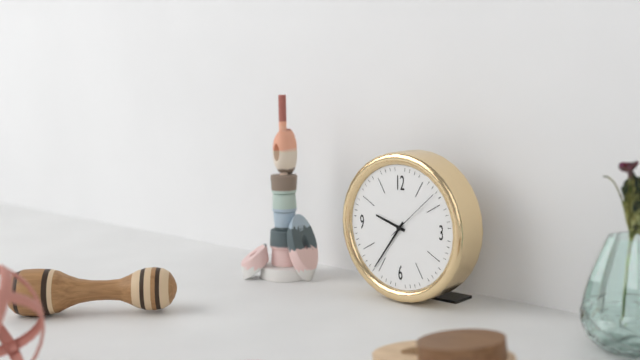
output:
9:36:08
